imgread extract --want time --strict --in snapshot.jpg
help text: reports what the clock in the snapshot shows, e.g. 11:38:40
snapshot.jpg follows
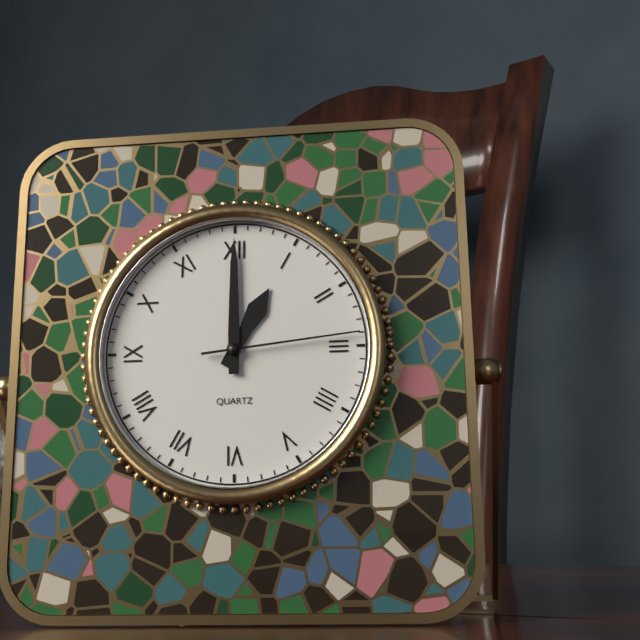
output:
1:00:14
